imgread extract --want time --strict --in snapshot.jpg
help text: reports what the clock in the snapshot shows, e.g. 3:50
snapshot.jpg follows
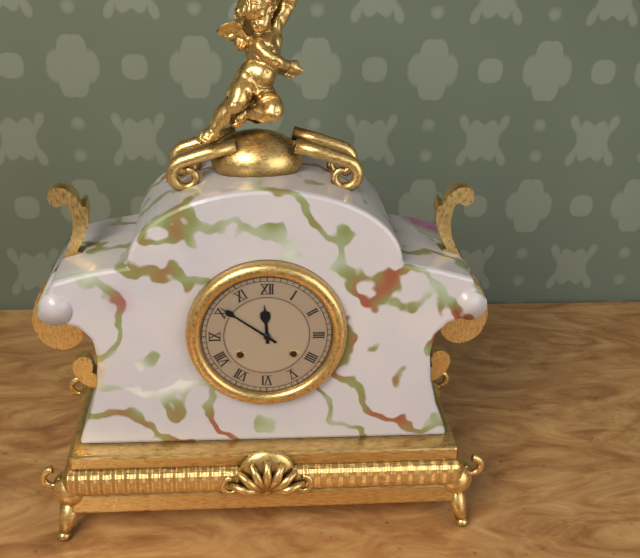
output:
11:51
